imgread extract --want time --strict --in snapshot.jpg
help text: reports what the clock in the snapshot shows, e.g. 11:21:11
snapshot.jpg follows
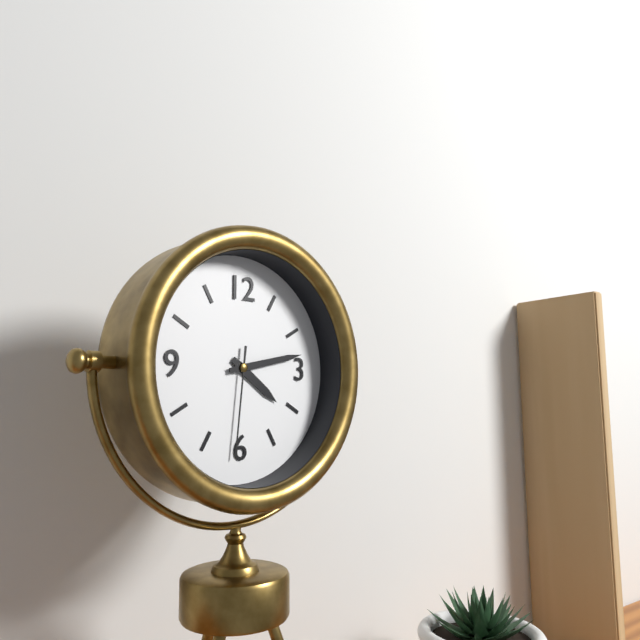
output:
4:13:31
